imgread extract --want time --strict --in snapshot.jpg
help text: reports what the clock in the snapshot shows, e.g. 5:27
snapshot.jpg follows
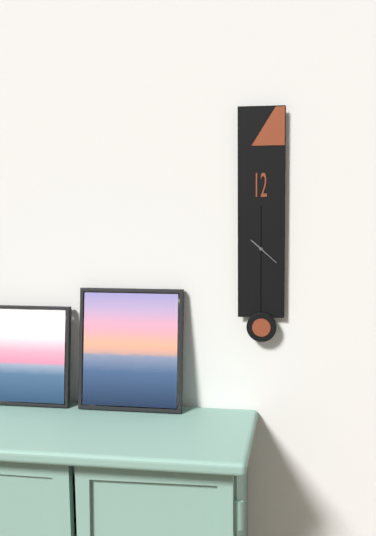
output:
10:22
